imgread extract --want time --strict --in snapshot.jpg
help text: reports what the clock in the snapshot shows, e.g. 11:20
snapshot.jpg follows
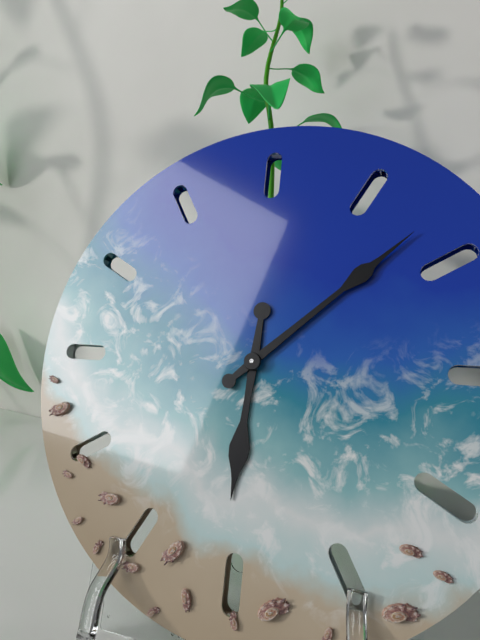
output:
6:08
